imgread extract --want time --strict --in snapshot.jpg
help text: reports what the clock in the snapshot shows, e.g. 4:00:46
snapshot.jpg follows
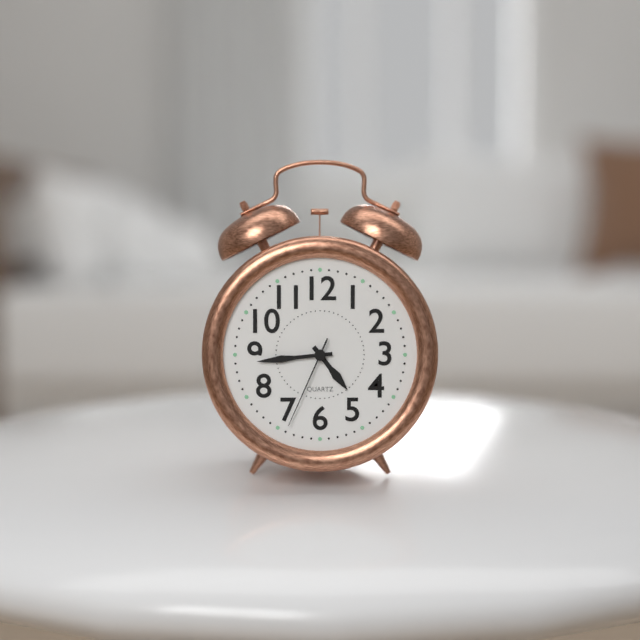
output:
4:44:34
